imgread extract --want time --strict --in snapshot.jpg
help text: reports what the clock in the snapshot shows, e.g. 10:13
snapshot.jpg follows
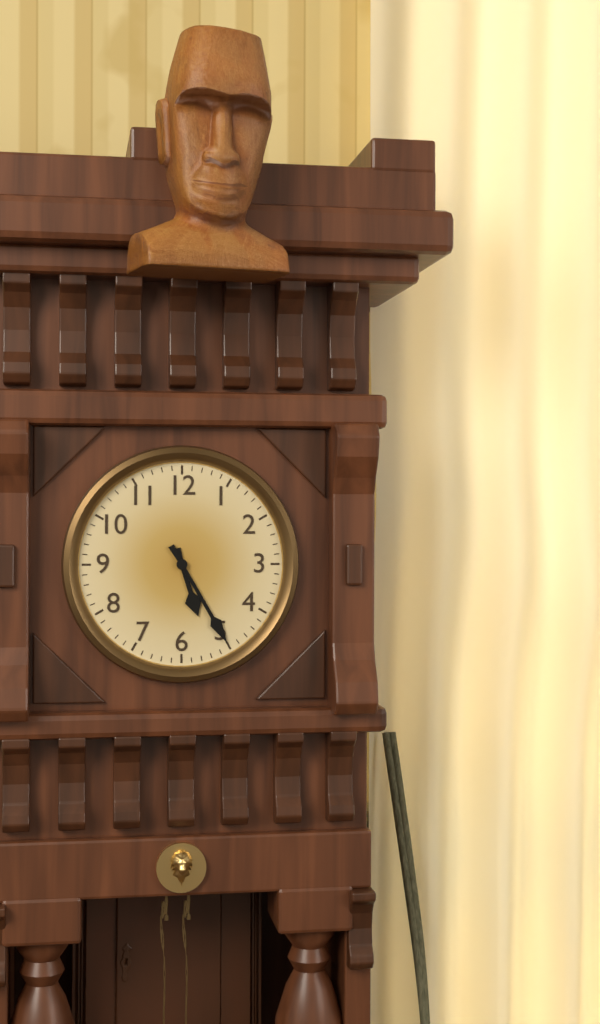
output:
5:25
